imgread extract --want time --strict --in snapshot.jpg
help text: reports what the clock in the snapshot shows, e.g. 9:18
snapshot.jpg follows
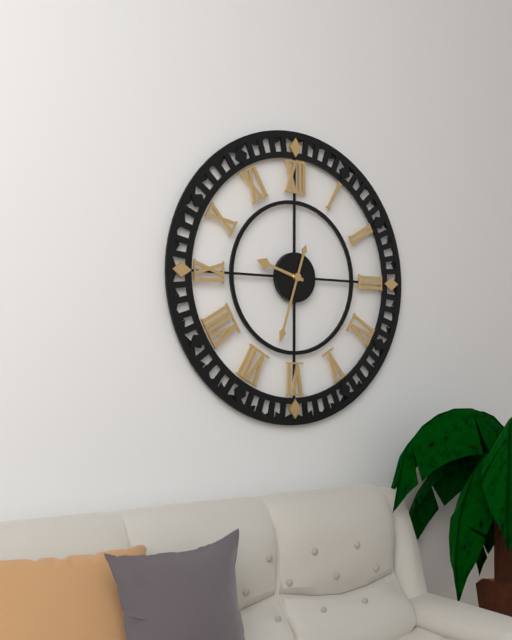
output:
9:33
